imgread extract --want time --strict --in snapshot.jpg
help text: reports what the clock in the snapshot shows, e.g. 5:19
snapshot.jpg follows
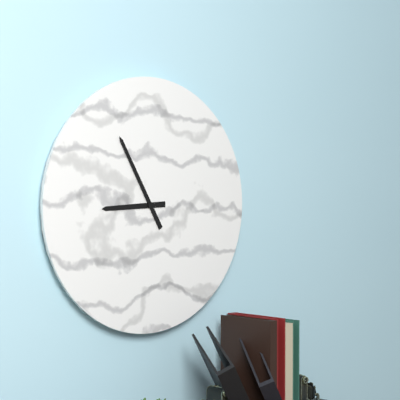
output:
8:55
